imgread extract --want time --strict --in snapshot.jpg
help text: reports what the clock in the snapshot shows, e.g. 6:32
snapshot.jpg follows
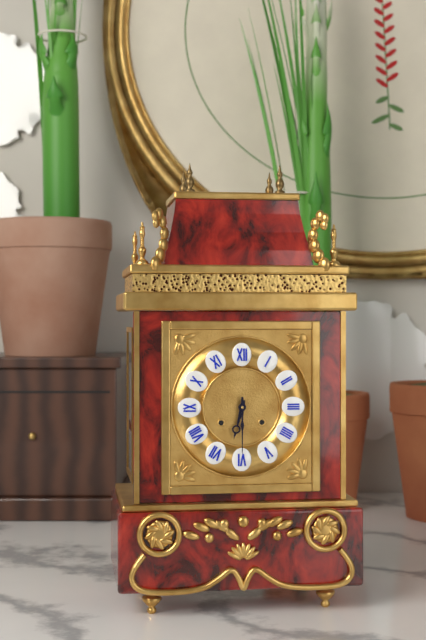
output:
6:30
